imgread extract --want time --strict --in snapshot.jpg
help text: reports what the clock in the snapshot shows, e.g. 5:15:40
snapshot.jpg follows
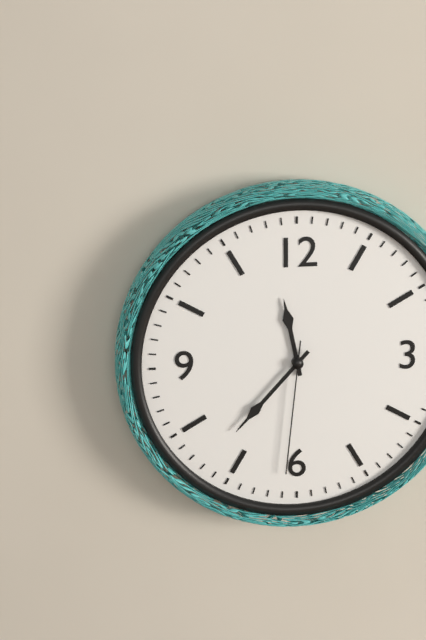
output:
11:37:31
